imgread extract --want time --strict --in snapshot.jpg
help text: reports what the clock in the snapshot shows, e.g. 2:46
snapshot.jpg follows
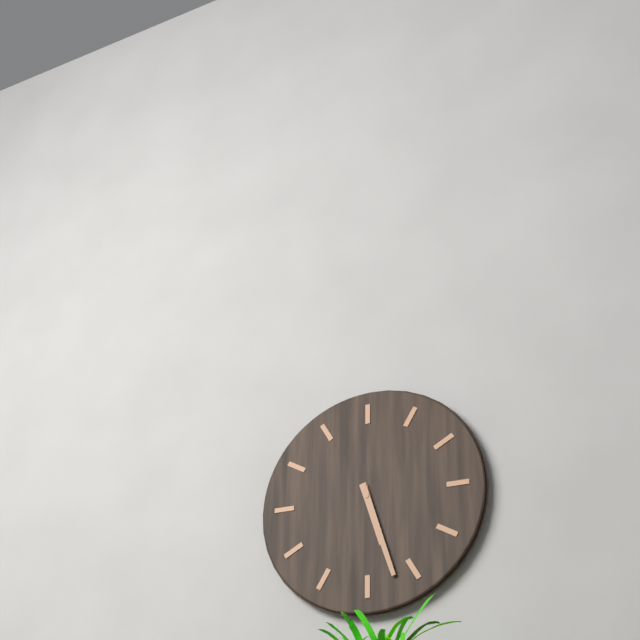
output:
5:27
